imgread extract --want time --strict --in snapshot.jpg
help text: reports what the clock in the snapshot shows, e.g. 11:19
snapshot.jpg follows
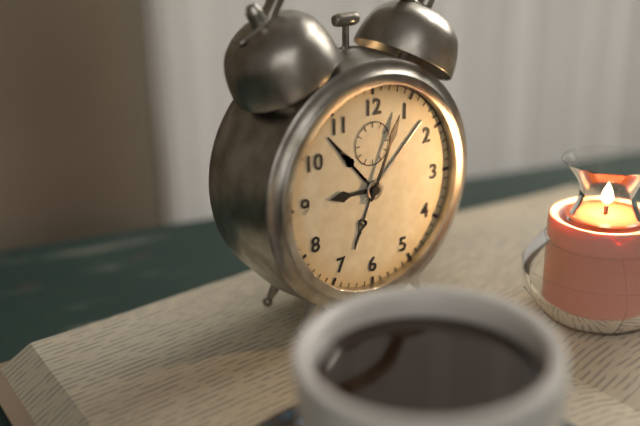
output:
9:04
